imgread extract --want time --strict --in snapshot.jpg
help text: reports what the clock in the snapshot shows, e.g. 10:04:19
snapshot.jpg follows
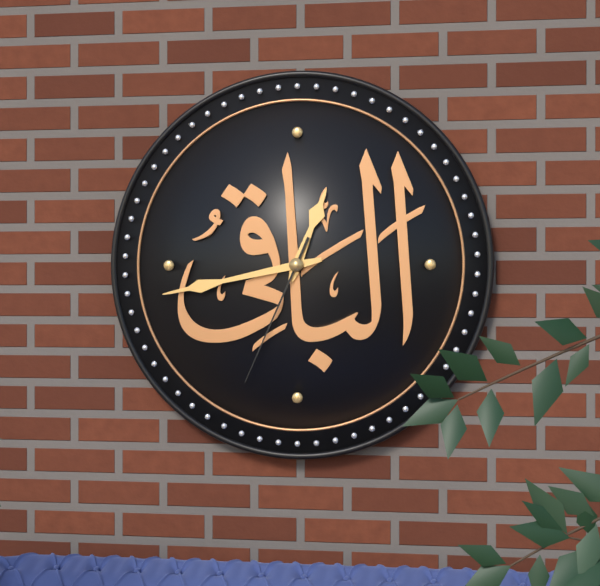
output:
12:43:34
